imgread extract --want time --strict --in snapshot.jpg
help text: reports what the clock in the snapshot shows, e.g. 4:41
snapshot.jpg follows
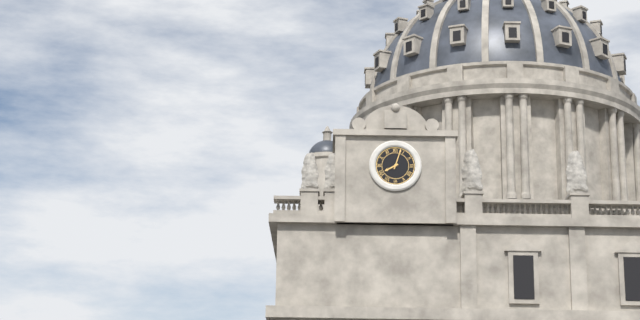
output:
8:03
